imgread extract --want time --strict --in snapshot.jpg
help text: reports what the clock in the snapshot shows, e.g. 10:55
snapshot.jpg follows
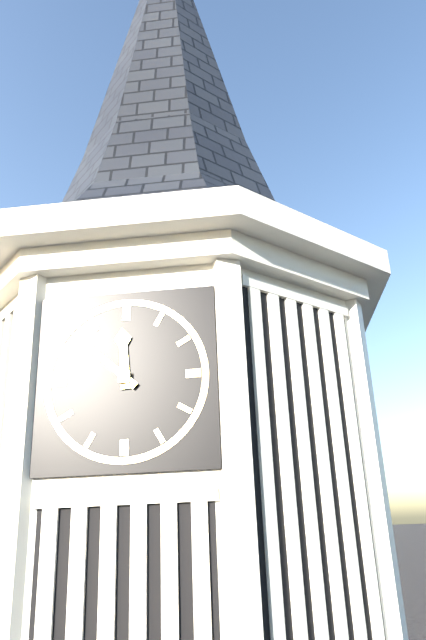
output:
11:52
